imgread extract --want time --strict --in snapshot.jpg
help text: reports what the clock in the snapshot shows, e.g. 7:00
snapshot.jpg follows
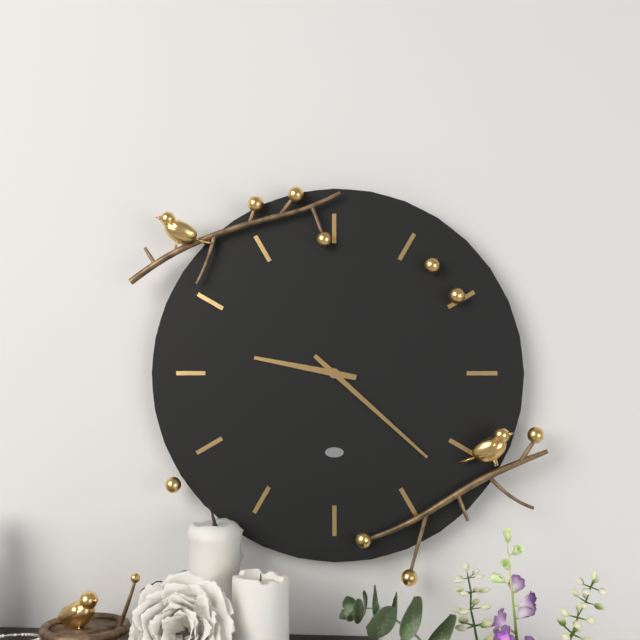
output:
9:22
